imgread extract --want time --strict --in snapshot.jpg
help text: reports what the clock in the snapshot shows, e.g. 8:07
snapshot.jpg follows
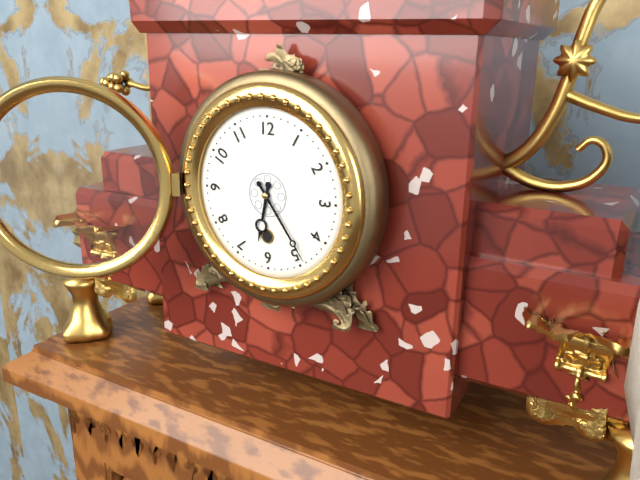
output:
6:24
